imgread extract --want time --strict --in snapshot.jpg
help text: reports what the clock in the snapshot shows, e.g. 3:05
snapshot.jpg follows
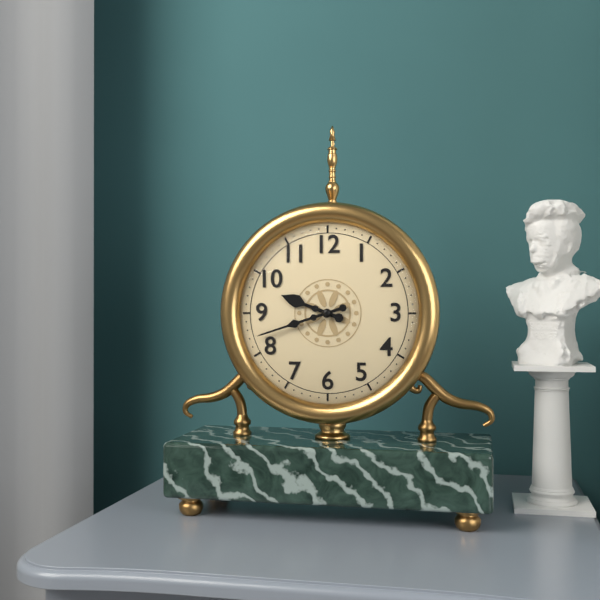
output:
9:42
